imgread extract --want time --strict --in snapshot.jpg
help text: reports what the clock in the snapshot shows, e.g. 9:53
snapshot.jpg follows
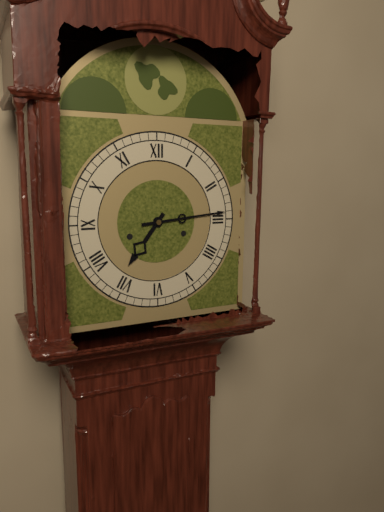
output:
7:14
